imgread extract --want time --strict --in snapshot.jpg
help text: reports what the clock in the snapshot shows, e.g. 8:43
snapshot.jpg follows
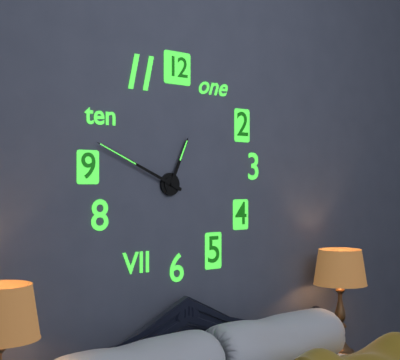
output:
12:49
